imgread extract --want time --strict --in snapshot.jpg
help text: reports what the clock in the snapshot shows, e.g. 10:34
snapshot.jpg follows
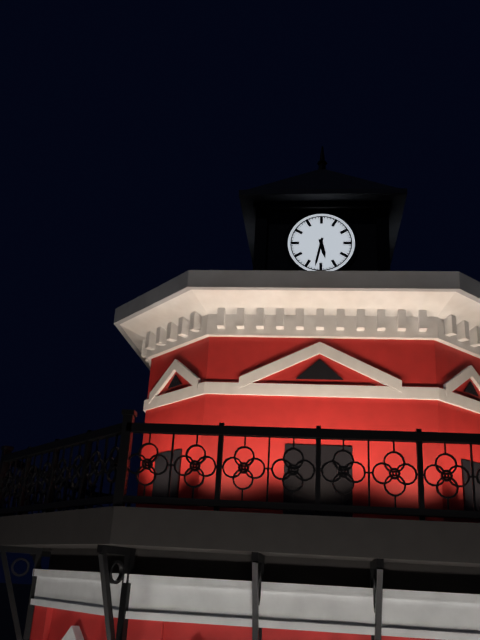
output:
5:32
